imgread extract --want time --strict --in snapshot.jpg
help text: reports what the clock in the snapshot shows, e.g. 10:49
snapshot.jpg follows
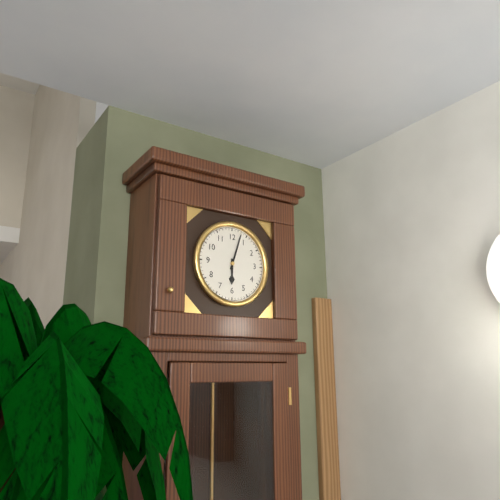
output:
6:03
